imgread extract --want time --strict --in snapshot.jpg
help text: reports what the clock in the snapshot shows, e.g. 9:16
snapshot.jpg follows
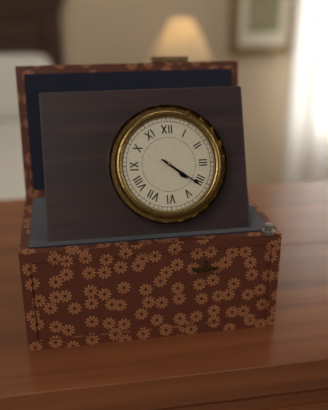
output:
4:21
